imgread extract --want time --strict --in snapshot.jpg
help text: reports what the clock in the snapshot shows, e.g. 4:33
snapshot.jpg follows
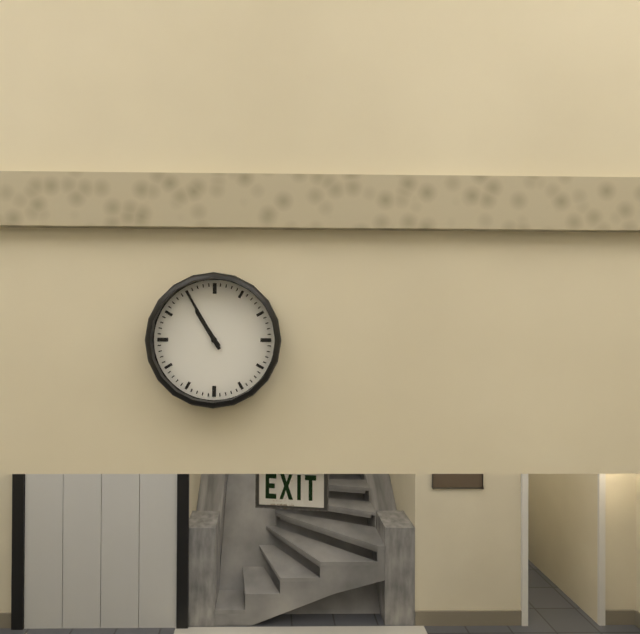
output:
10:55
